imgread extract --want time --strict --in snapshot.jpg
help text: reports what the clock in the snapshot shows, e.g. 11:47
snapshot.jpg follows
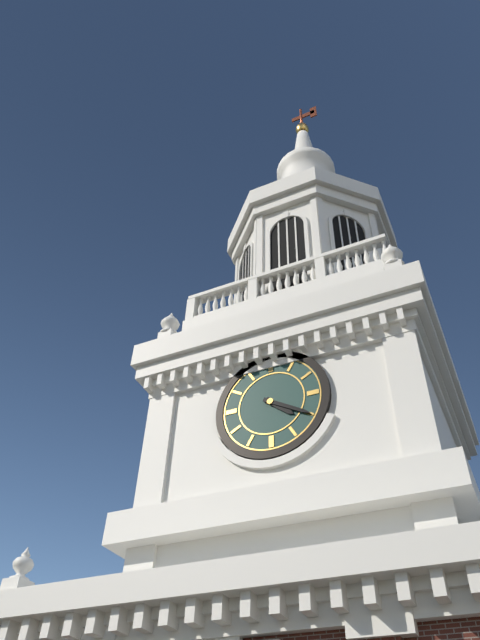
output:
4:20
